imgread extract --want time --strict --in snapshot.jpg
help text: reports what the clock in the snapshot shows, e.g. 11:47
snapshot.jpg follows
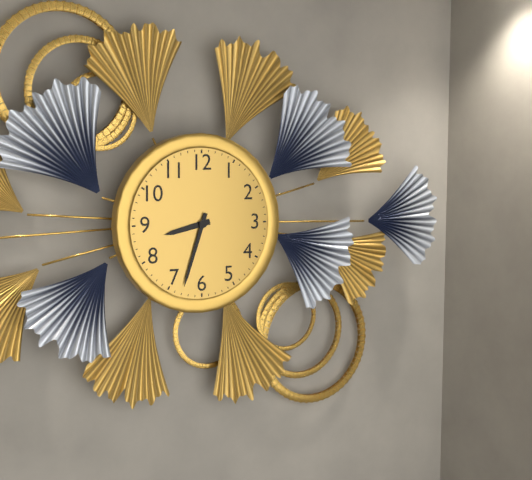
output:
8:33
